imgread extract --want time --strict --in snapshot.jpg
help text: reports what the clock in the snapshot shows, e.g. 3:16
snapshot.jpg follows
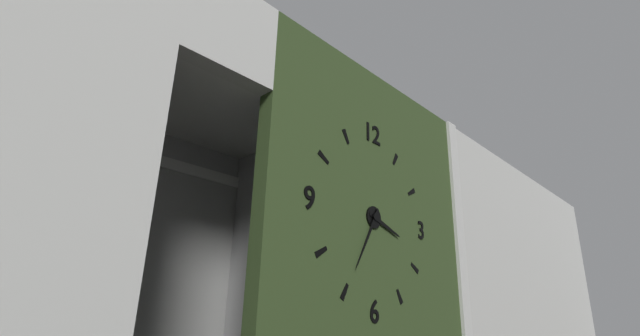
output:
3:35
